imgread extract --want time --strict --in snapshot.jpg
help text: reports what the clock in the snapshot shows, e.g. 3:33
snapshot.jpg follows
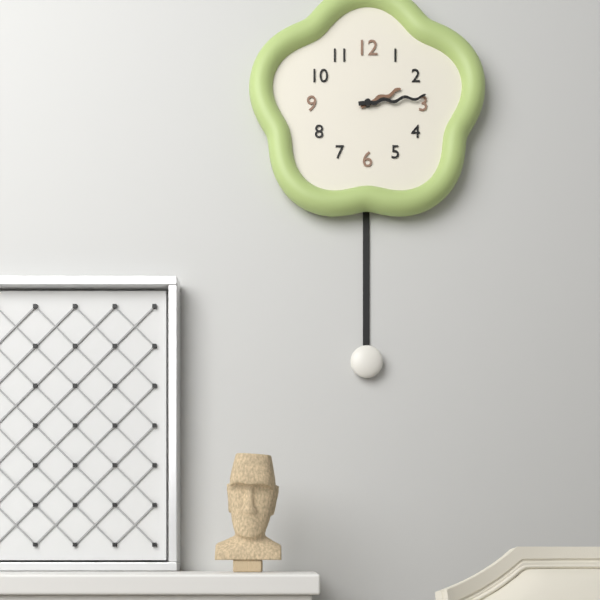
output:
2:14
